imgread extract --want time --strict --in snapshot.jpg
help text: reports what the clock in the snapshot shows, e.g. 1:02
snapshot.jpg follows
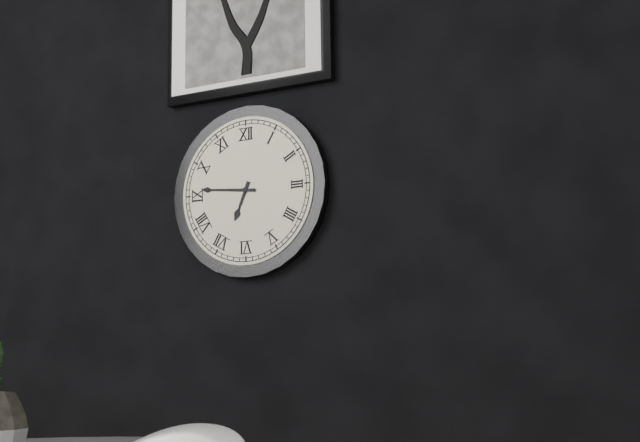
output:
6:46
